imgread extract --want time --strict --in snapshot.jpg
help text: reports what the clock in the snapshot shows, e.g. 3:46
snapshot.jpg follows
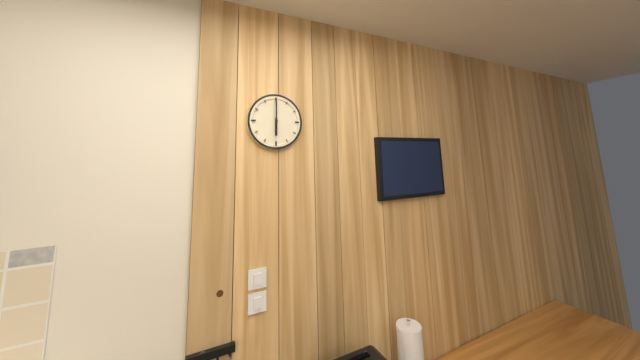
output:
6:00
